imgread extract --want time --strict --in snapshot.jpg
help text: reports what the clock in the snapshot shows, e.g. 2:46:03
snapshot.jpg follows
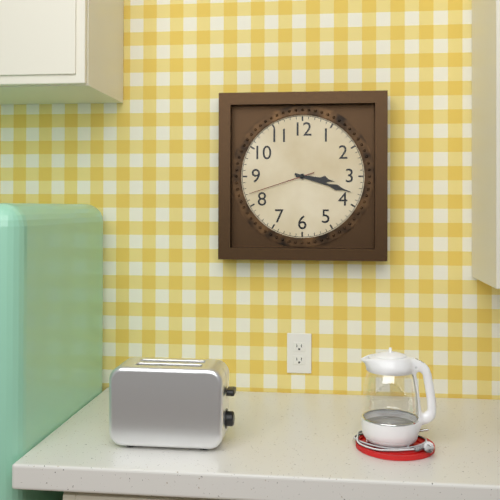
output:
3:18:42
